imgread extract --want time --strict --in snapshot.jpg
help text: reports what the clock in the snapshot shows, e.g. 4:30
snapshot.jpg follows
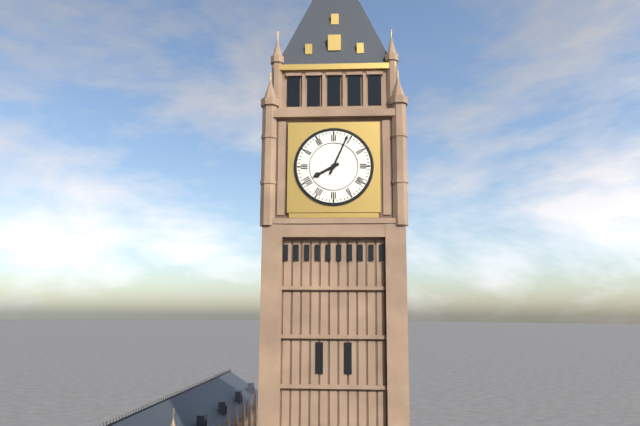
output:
8:04
